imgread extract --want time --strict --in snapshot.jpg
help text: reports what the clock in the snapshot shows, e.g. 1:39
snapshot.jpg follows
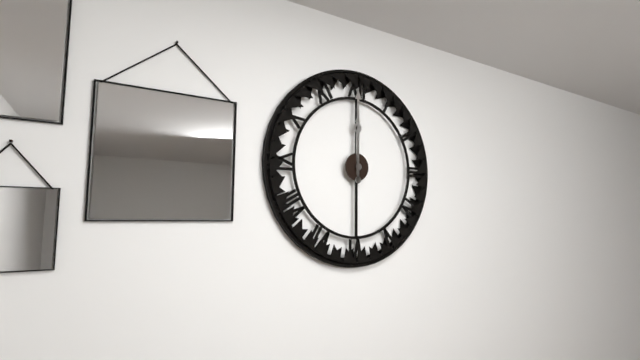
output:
12:00
